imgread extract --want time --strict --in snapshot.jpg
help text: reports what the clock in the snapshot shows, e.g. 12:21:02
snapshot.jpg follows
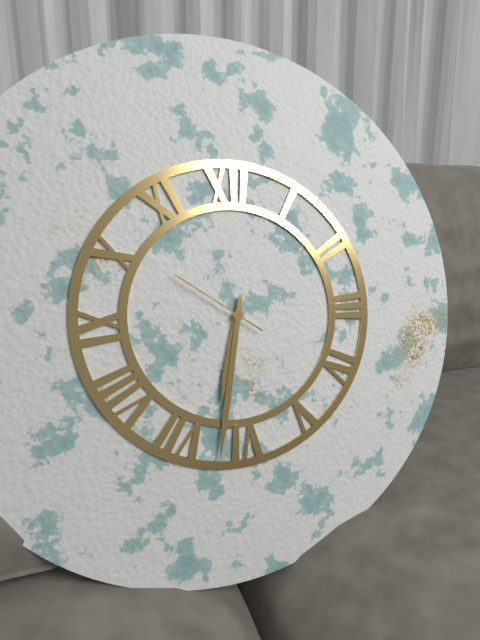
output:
6:32:51
